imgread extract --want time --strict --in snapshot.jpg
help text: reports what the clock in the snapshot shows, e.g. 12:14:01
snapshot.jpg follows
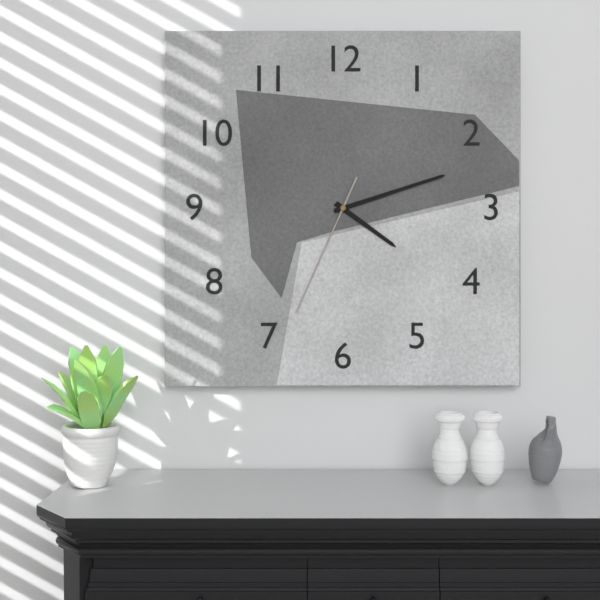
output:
4:12:34
